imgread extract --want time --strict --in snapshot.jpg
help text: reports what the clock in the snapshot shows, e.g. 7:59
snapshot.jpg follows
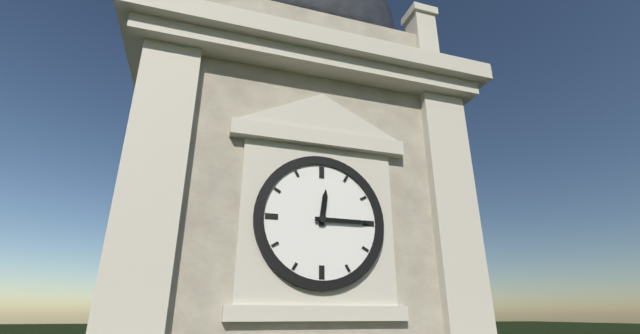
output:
12:15
